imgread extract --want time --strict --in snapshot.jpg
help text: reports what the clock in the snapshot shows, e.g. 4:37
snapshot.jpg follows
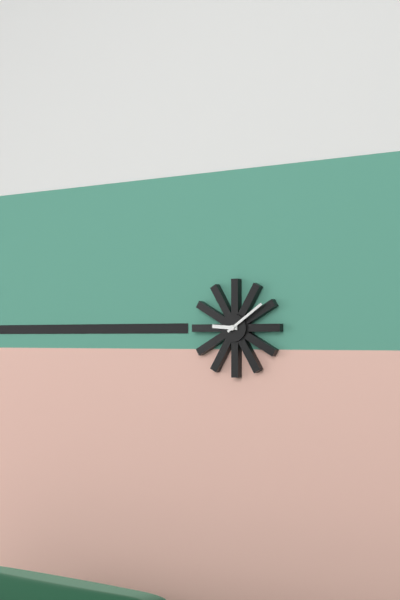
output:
9:09
